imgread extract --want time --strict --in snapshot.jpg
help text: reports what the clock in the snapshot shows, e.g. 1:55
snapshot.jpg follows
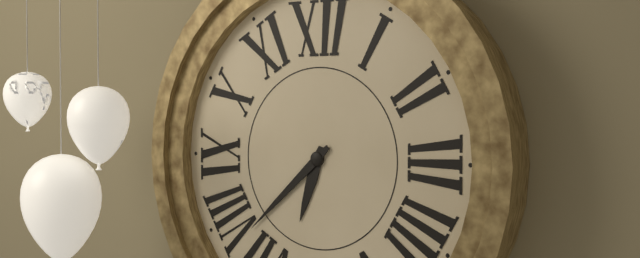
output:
6:38
